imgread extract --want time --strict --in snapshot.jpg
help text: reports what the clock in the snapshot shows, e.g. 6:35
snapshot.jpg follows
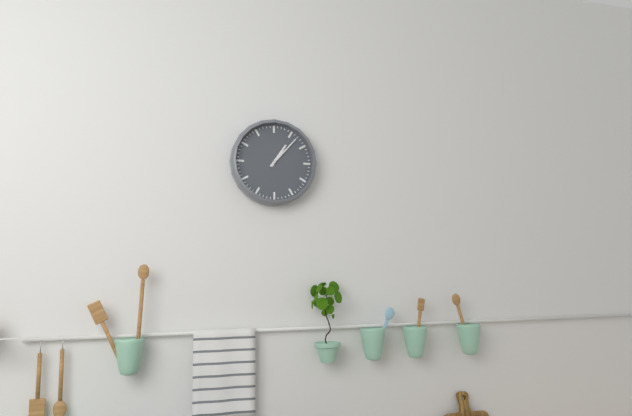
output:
1:07
